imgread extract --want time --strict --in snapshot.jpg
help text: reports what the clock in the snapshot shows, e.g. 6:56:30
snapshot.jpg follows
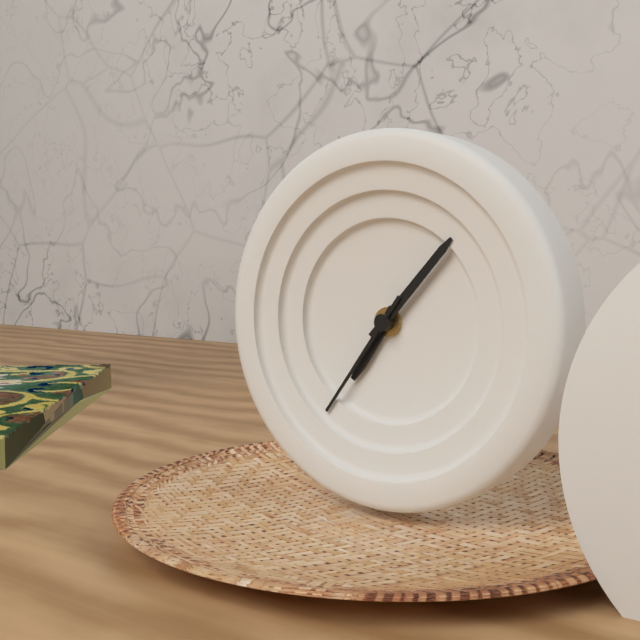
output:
7:07:36
